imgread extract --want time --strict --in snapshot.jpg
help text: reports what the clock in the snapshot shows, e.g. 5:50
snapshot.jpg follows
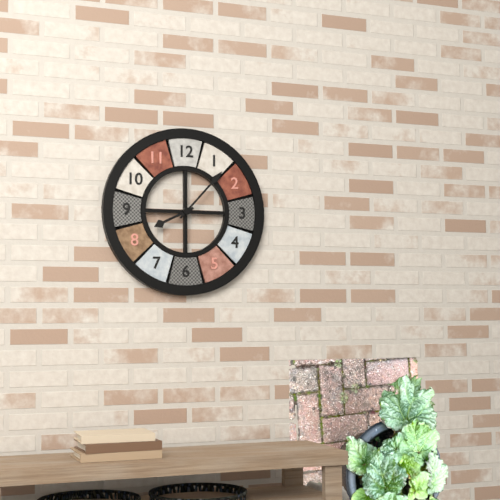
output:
8:07
